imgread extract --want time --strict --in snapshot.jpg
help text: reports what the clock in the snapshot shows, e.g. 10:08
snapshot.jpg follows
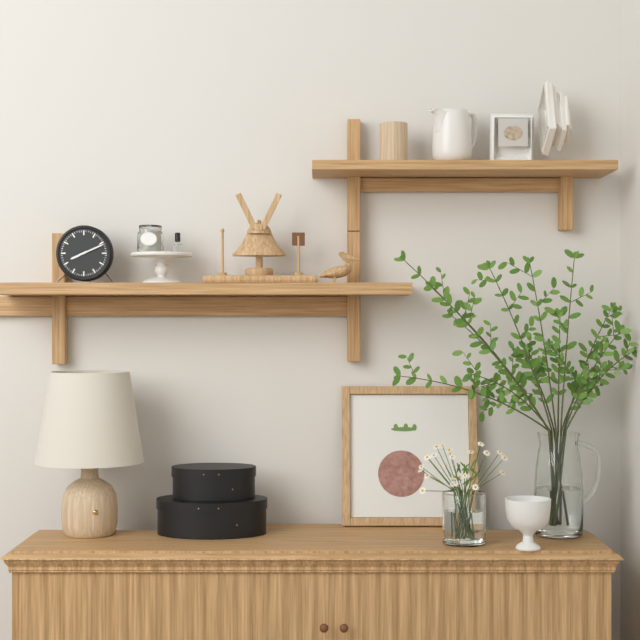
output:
8:11
